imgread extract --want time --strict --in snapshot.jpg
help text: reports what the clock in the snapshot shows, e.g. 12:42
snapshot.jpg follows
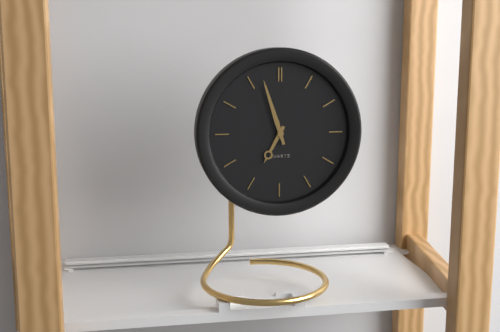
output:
6:57
